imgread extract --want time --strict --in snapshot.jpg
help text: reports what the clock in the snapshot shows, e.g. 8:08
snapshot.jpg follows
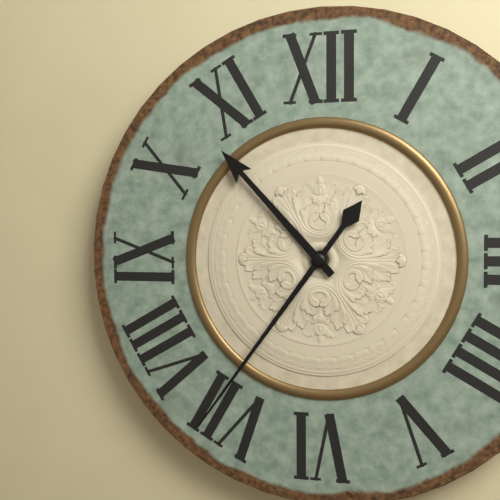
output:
10:36
